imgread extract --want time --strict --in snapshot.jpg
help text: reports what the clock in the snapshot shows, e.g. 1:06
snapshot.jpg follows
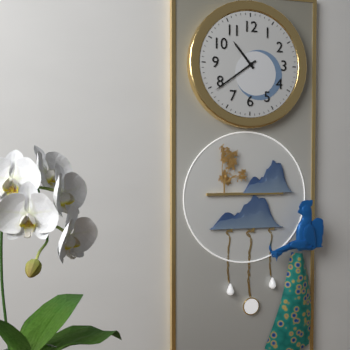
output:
10:39
